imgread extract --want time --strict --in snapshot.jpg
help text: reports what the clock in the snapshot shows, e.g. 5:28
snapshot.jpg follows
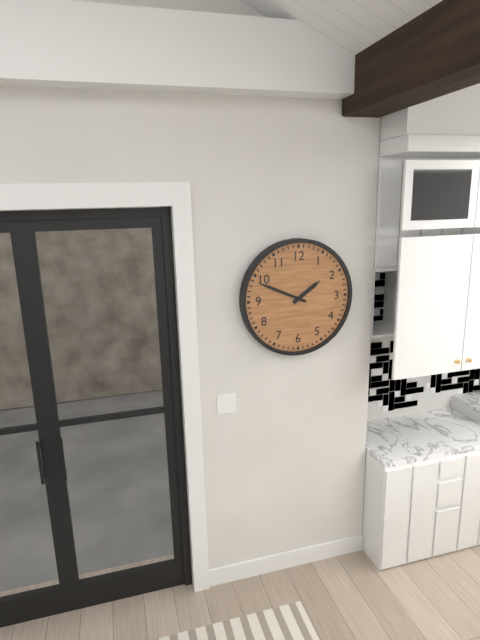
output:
1:49
